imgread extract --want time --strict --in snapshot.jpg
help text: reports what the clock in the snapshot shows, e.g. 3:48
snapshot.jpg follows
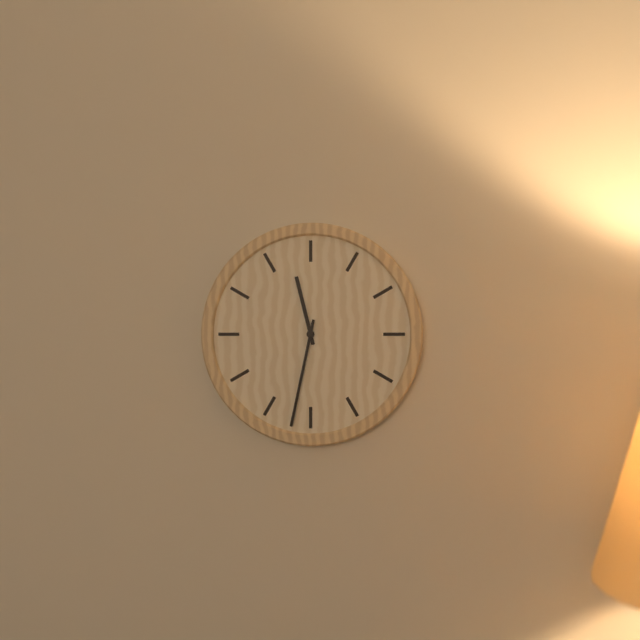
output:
11:32
